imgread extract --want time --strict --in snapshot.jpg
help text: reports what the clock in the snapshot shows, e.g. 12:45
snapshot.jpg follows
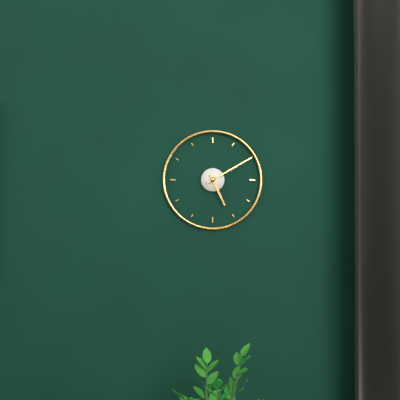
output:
5:10
